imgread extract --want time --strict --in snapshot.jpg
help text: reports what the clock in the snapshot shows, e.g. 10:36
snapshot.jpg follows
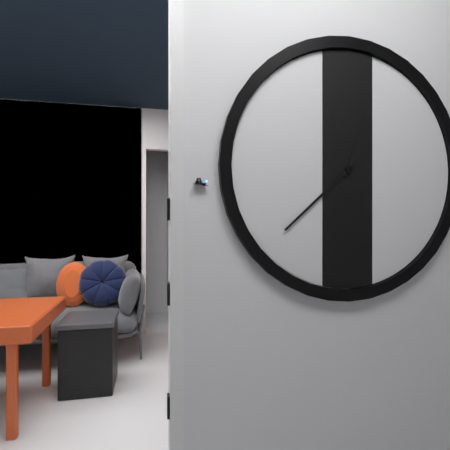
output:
12:38
